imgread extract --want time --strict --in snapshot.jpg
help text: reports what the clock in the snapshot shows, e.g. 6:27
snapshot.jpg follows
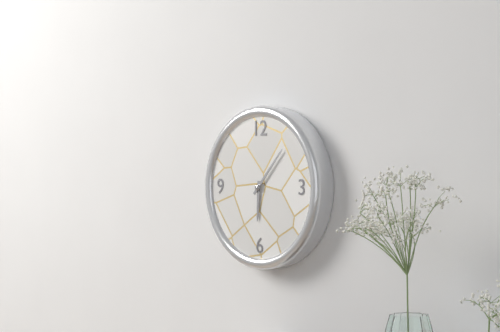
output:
6:07
